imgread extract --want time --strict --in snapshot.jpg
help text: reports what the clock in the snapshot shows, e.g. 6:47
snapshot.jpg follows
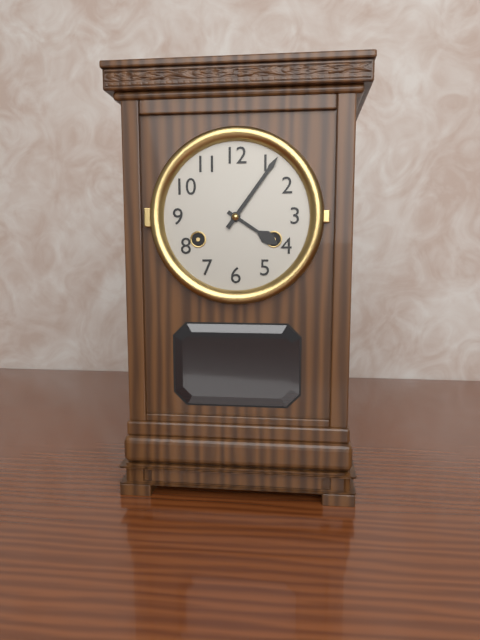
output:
4:06
